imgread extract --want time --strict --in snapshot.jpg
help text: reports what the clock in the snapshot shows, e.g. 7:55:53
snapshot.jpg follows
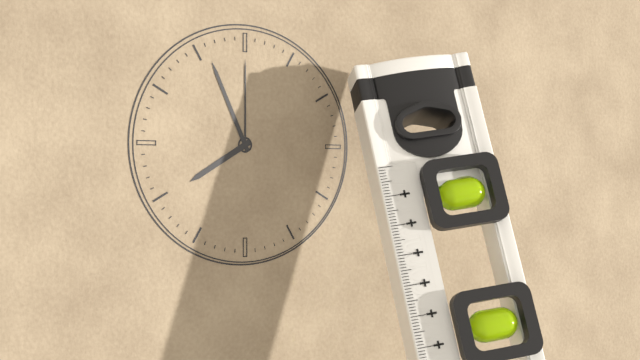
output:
7:56:00
